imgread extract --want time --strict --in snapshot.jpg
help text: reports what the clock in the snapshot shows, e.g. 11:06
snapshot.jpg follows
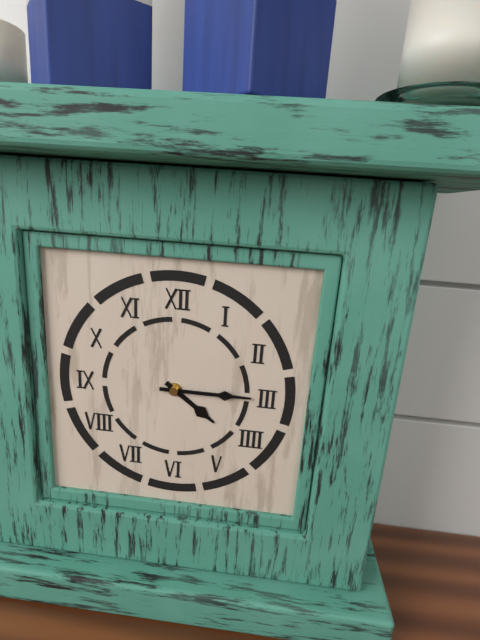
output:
4:15
